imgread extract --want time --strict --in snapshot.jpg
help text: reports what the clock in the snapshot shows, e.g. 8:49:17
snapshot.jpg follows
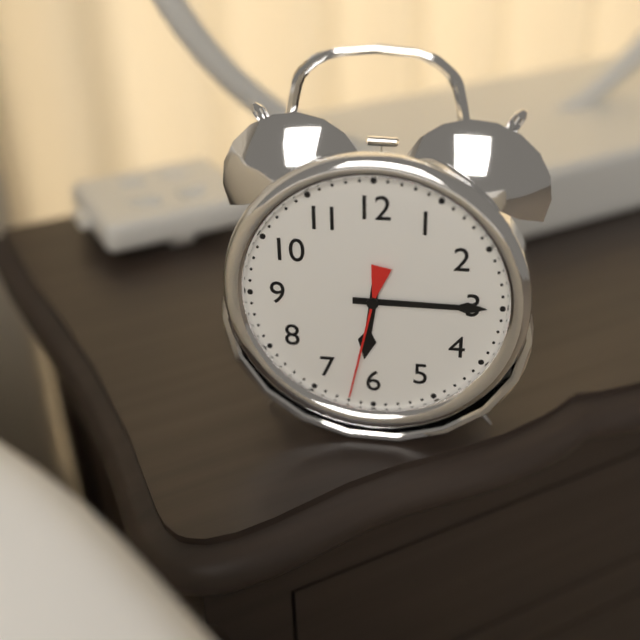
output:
6:15:32
